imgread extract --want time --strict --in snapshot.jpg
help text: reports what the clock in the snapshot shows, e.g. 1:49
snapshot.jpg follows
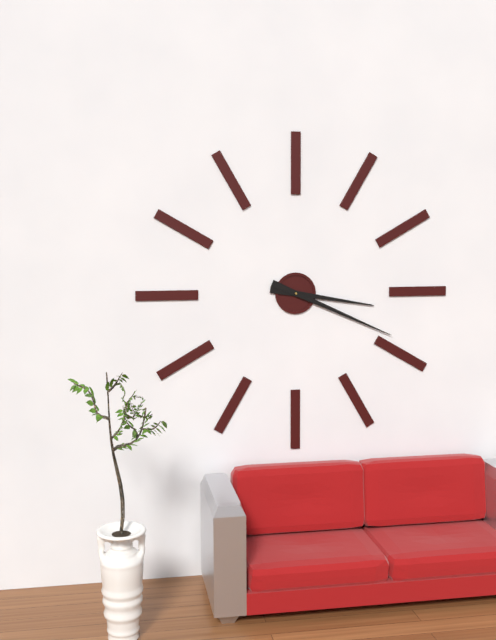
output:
3:19
